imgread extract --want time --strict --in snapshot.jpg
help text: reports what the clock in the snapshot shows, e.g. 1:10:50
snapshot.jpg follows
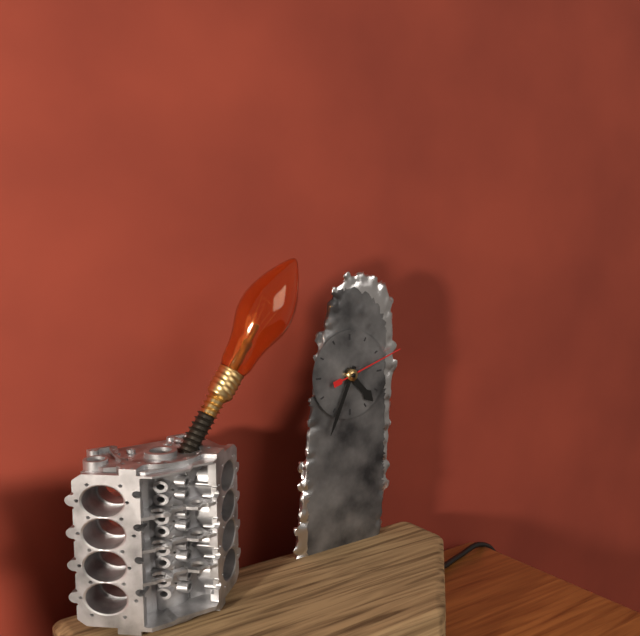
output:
4:34:12
